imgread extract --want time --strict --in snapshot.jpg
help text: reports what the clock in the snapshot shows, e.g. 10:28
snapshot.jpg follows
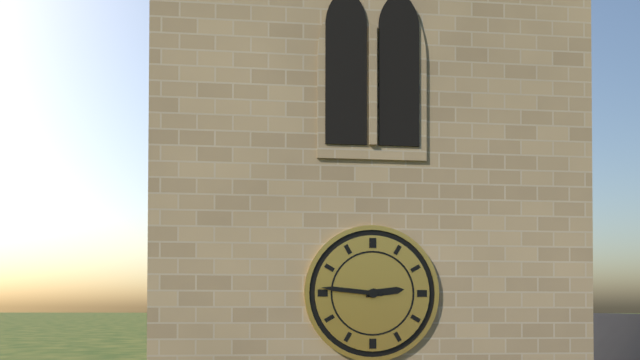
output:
2:46
